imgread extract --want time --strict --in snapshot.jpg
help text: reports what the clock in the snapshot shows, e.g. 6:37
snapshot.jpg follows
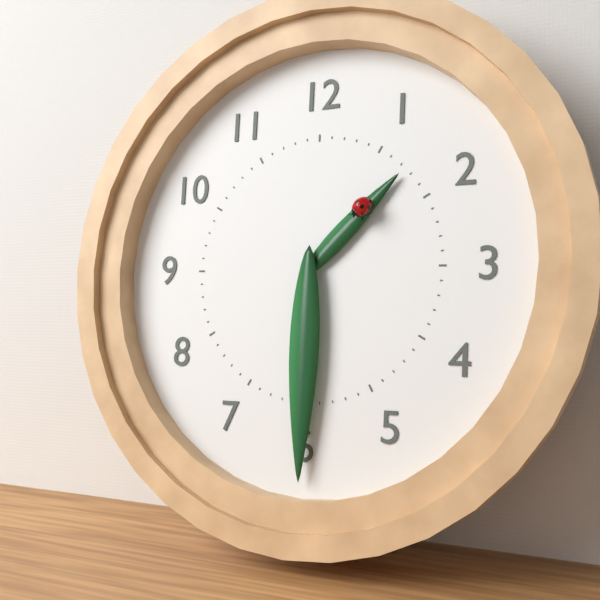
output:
1:30
